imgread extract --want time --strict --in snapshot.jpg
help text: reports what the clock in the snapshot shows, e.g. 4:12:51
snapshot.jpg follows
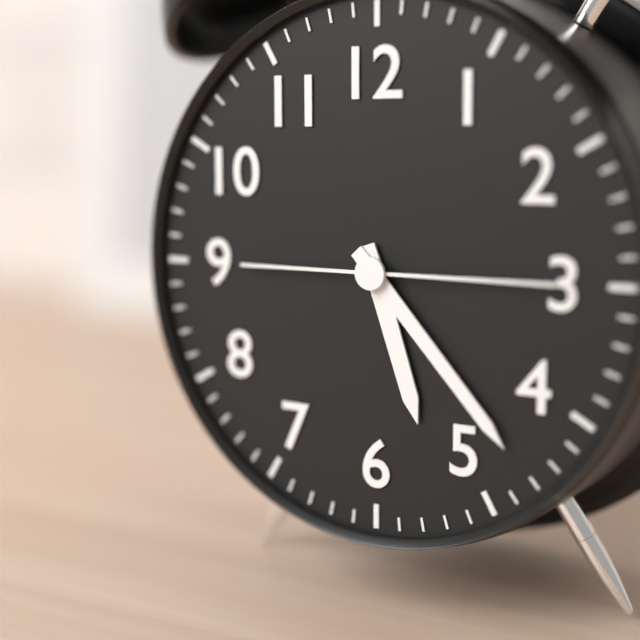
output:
5:23:15
